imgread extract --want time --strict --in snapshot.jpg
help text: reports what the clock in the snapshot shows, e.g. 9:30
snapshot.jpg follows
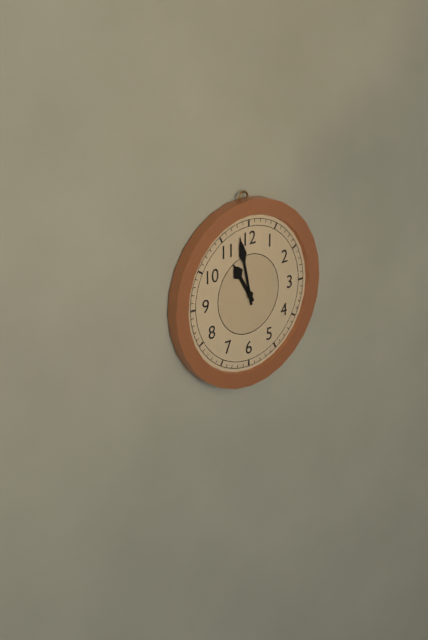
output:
10:58
